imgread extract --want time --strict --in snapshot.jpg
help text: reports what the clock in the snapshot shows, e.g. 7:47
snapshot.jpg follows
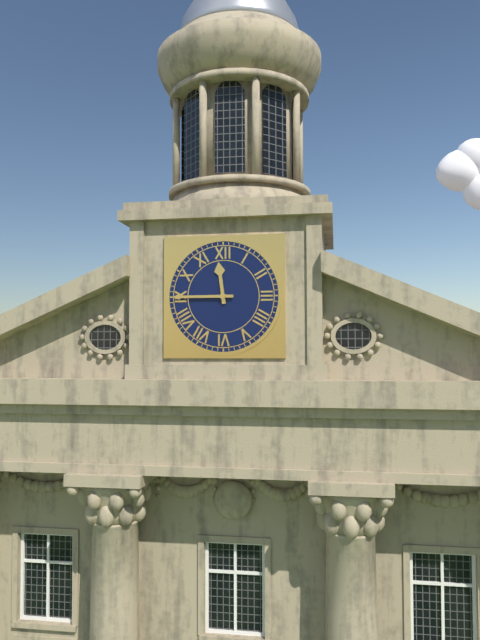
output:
11:45
